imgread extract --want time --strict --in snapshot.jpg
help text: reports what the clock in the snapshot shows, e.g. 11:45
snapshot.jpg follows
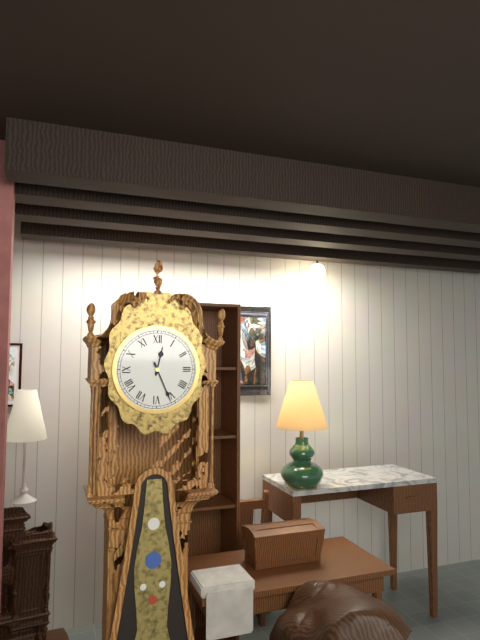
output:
12:26
